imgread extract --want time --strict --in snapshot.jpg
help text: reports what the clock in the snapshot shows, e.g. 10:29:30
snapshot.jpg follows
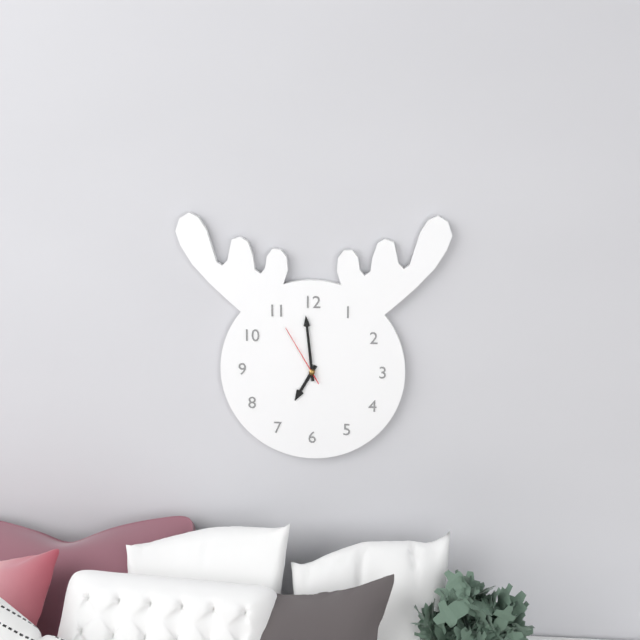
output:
6:59:55
